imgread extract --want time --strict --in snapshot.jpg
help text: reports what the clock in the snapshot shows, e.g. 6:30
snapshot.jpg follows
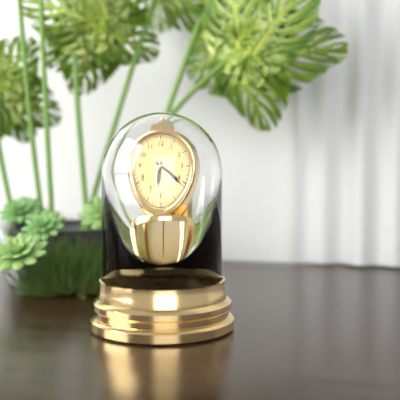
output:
6:21
